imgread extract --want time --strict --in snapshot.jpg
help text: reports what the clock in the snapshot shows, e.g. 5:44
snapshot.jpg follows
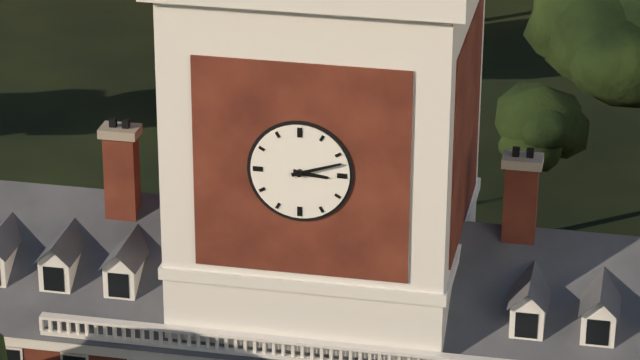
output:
3:12
